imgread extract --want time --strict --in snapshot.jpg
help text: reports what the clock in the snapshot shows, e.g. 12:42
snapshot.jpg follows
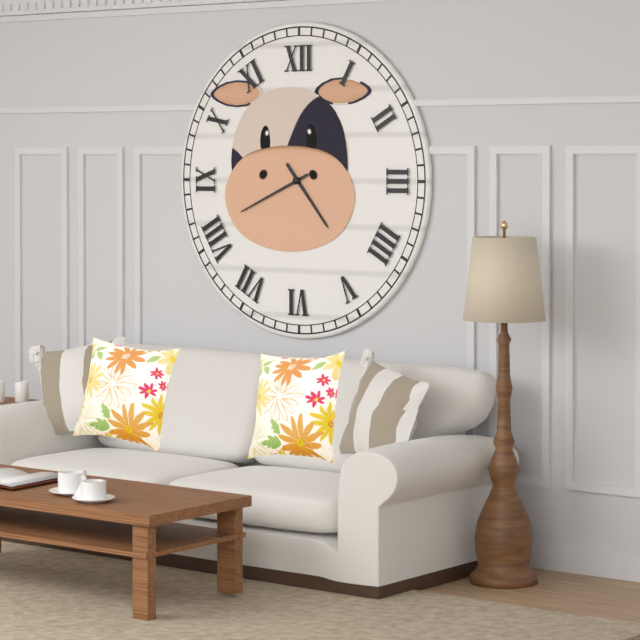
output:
4:41
